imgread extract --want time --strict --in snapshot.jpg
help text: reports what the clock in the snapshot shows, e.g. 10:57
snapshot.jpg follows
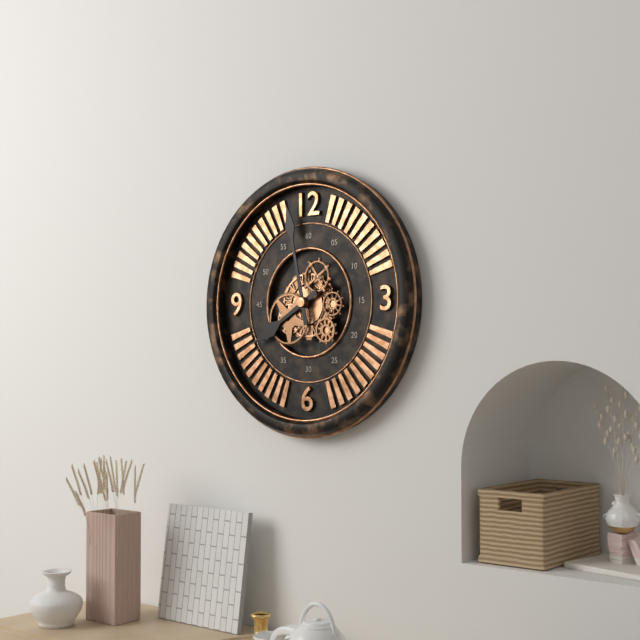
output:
7:58
